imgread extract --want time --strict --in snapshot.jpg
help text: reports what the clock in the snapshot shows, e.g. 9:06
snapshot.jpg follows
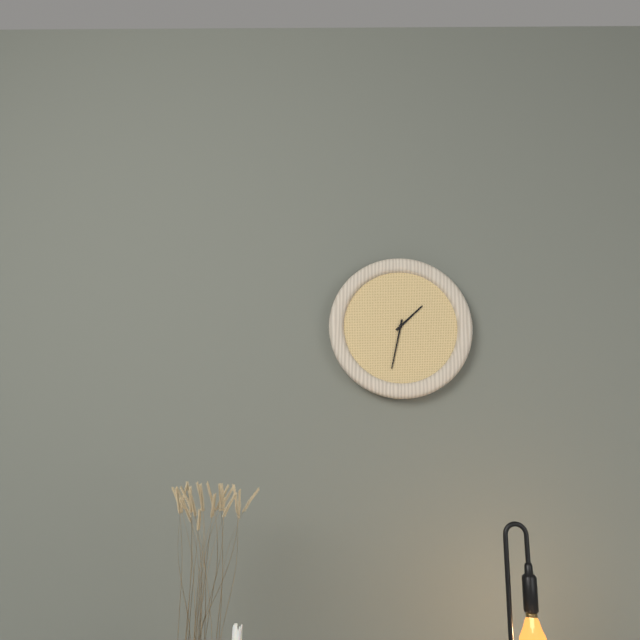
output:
1:32
